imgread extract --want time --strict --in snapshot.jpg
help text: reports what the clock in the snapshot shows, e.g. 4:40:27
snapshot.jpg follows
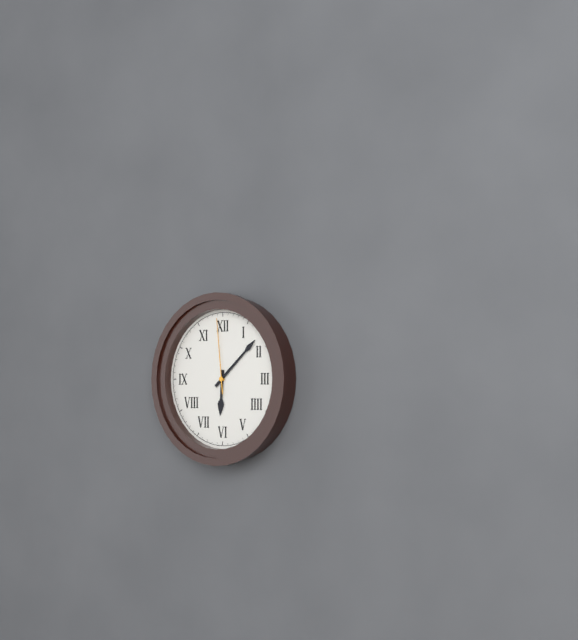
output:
6:08:59
